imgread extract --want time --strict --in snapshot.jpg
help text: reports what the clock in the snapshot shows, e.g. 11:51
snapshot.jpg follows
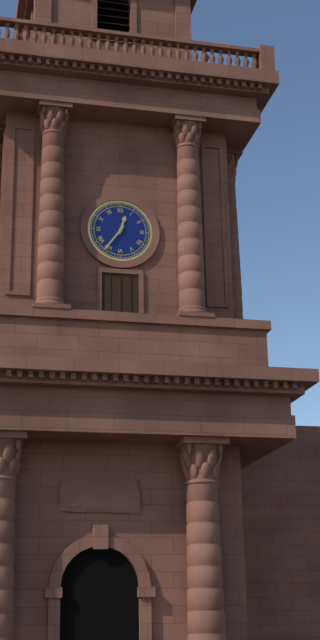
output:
12:36
